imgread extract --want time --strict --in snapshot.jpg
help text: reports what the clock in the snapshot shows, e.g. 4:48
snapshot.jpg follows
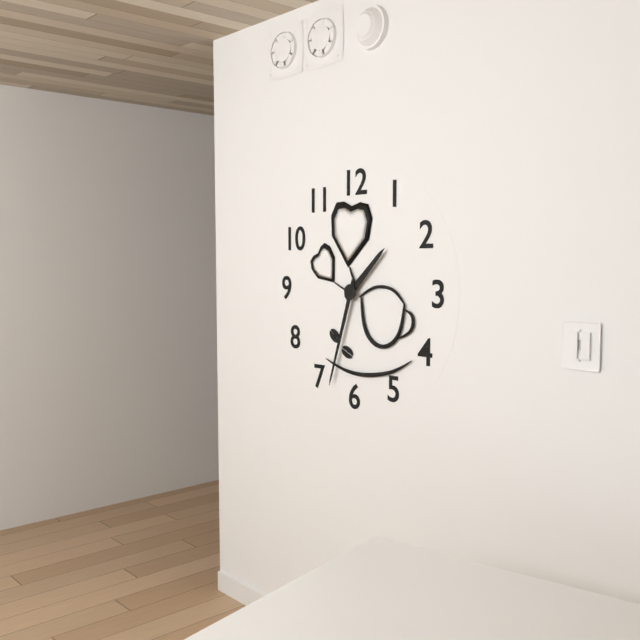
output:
1:33
